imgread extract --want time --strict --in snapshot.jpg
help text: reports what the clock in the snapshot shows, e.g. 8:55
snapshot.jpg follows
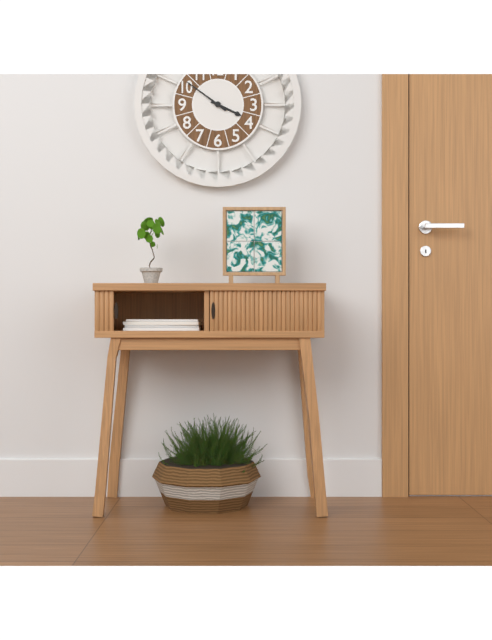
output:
3:51
